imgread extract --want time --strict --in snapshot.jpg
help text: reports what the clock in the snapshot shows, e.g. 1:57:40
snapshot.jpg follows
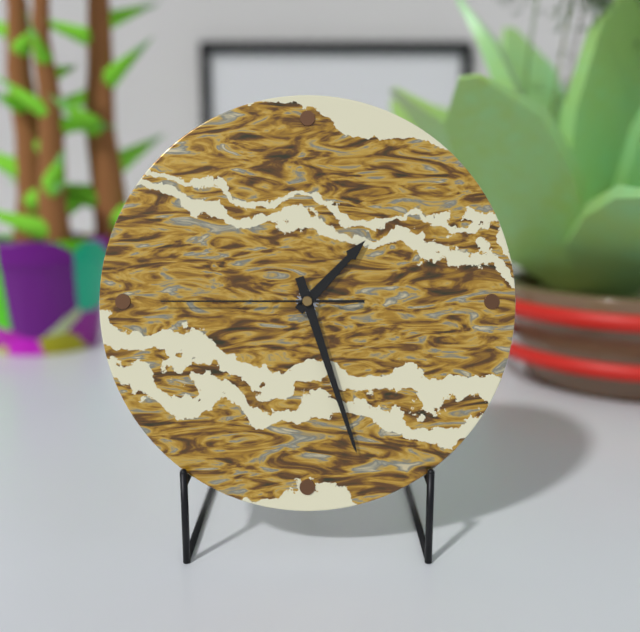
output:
1:27:45
